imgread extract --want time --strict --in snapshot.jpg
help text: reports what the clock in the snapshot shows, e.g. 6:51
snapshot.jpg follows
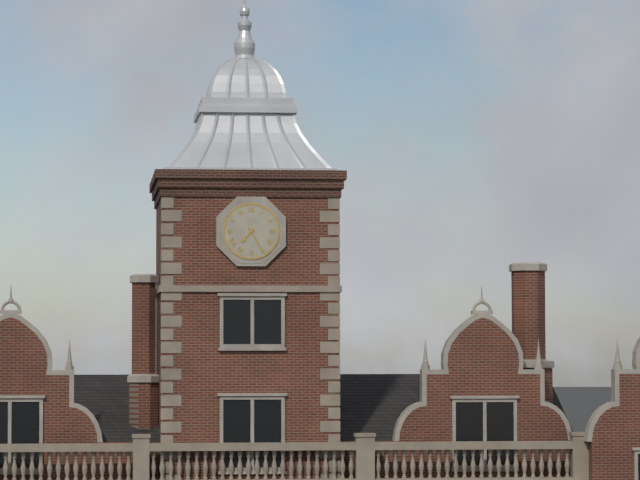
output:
7:25
